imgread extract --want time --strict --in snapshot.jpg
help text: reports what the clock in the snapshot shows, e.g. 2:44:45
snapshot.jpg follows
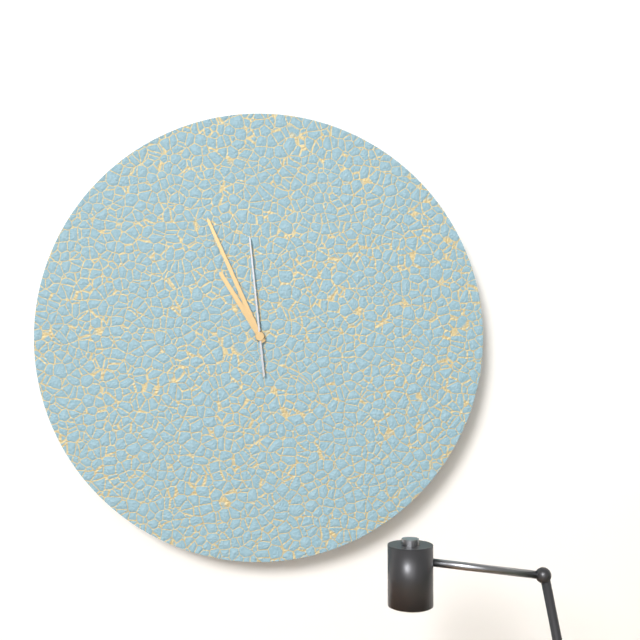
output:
10:56:59
